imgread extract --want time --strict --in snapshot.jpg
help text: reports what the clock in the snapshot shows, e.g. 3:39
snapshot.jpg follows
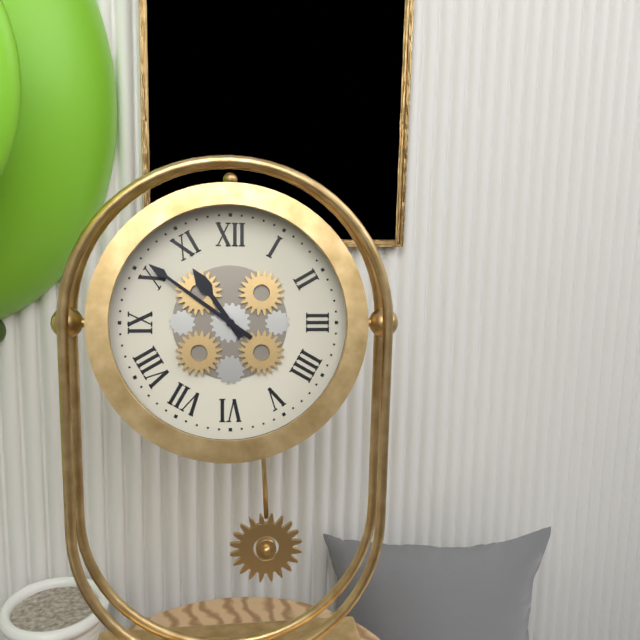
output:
10:51
